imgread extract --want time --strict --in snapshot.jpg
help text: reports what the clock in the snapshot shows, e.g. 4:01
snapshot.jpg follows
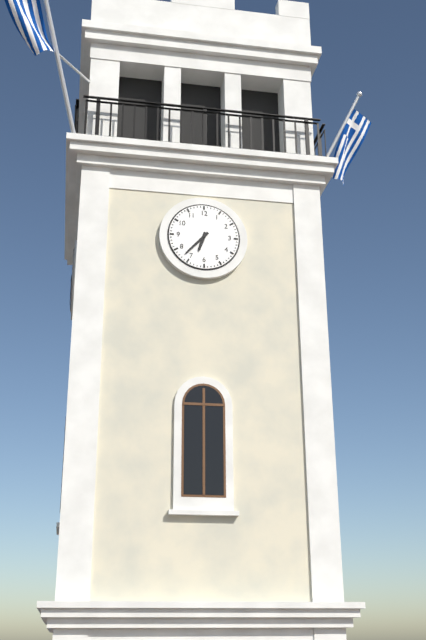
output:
6:37
